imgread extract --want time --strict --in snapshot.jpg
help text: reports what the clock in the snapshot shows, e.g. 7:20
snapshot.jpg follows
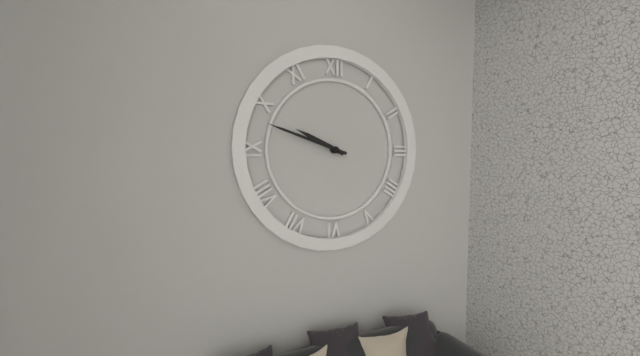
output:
9:48
